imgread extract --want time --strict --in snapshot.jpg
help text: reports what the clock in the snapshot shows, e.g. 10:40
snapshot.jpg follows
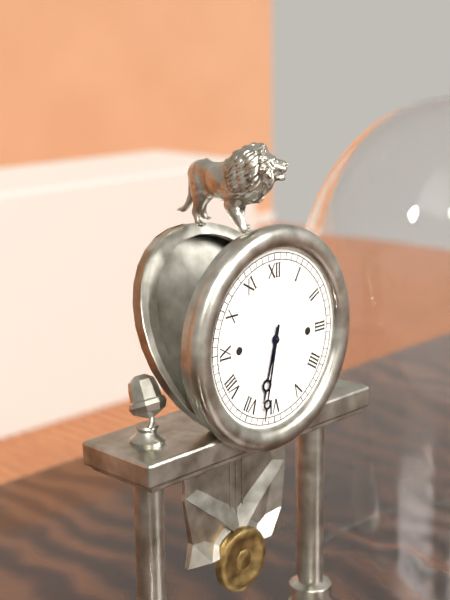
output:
6:32
